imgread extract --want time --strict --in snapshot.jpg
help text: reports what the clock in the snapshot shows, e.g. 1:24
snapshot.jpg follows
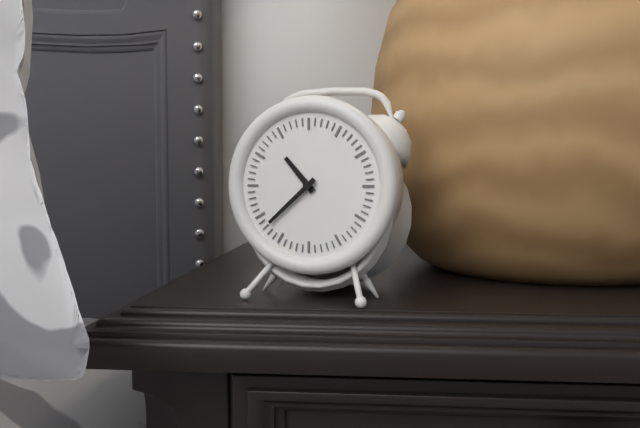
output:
10:38
